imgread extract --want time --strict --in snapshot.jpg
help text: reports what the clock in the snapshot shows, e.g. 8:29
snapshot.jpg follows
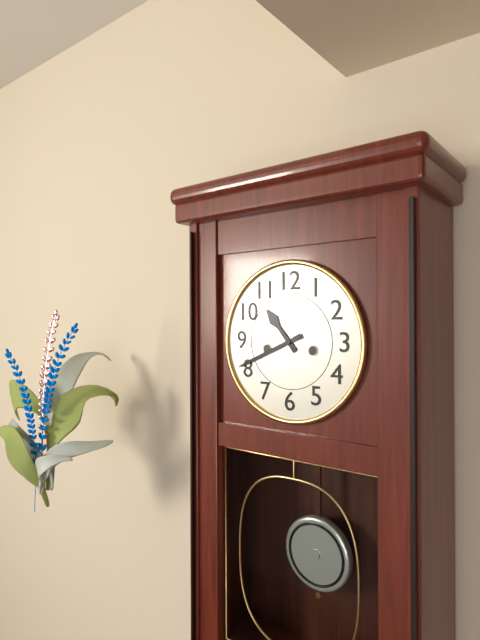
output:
10:41
